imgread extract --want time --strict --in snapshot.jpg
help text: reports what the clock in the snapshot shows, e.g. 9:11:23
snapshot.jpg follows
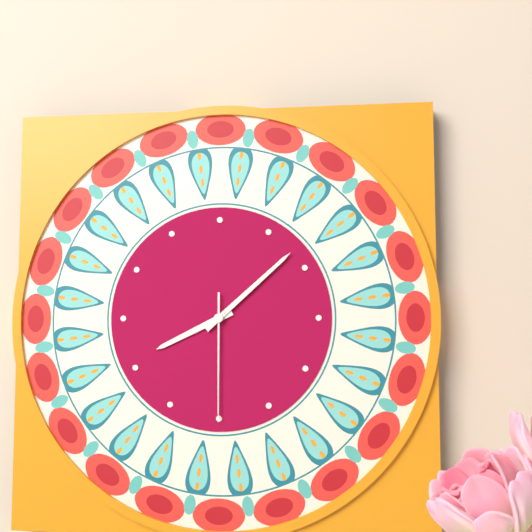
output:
8:08:30
